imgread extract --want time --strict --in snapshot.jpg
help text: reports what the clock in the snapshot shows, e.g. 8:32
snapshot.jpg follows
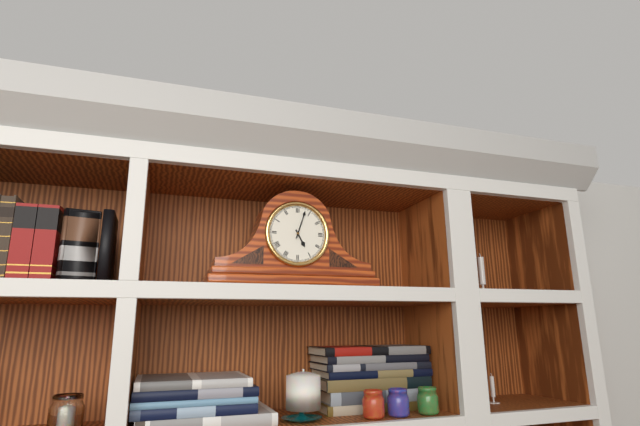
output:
5:03
